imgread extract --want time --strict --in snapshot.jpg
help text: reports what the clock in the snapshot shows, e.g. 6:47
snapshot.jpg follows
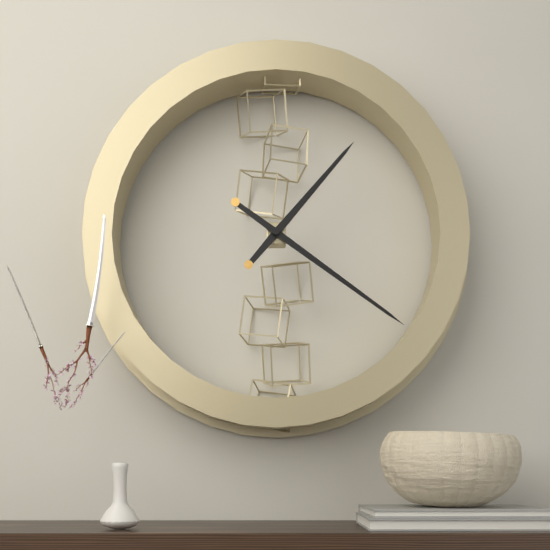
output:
1:21
